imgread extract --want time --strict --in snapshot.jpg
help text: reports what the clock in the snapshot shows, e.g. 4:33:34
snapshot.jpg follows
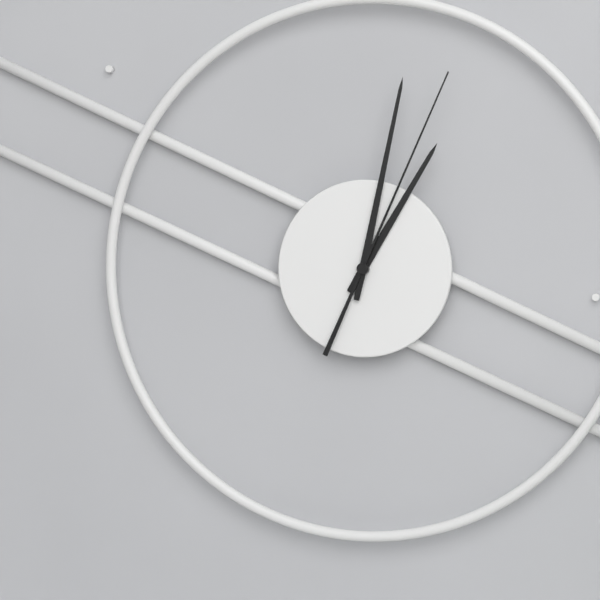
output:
1:02:04
